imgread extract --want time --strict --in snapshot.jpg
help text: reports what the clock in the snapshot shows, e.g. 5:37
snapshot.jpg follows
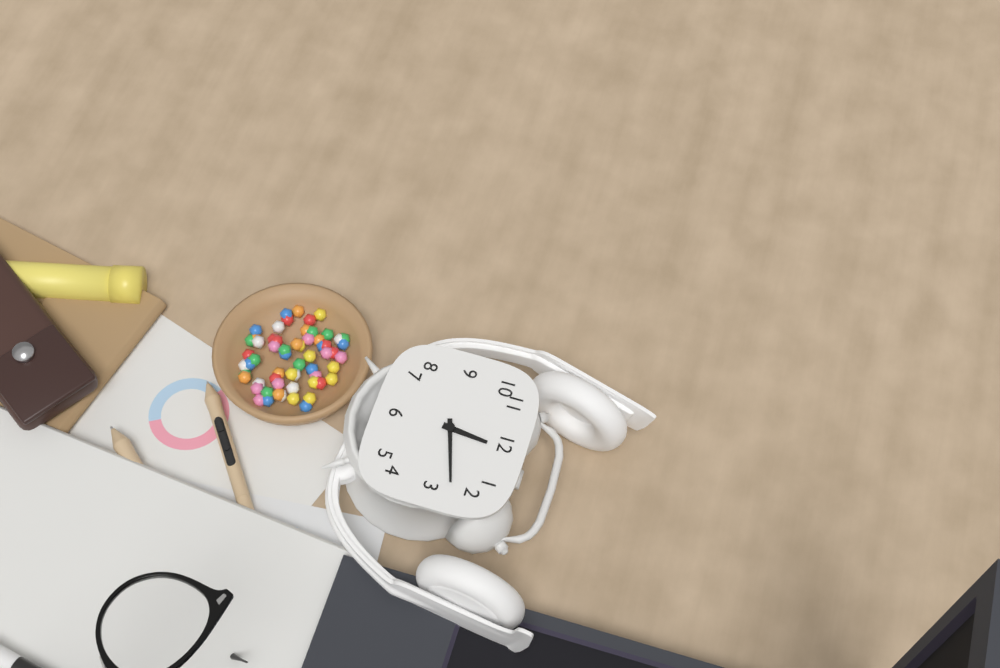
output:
12:12
